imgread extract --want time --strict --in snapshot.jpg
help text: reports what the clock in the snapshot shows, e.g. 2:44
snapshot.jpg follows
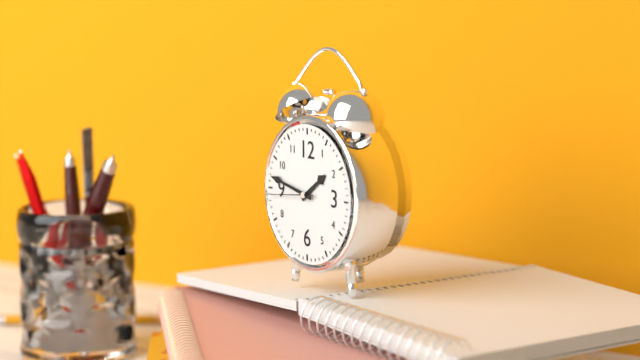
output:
1:47
